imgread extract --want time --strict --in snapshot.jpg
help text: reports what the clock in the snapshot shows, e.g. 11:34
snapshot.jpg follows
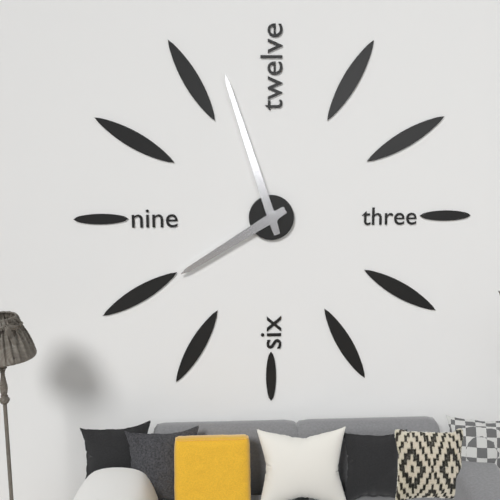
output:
7:57
